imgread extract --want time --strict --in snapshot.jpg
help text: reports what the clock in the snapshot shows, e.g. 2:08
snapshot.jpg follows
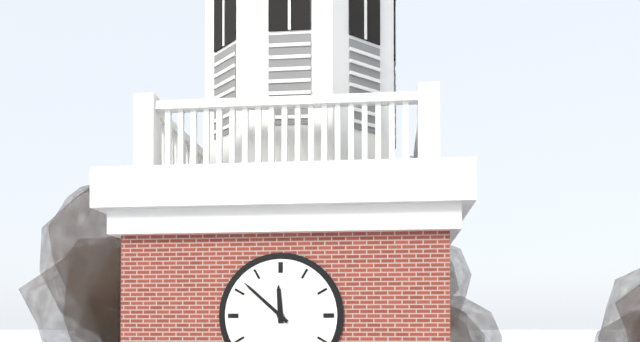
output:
11:52
